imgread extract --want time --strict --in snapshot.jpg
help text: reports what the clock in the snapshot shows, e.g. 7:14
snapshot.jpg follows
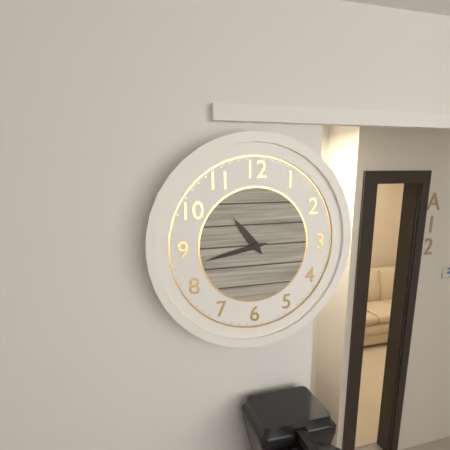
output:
10:43
